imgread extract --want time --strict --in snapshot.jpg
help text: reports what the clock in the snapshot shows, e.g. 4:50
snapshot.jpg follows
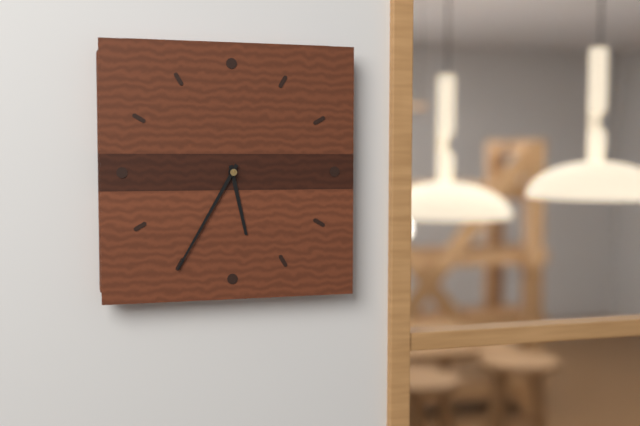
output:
5:35
